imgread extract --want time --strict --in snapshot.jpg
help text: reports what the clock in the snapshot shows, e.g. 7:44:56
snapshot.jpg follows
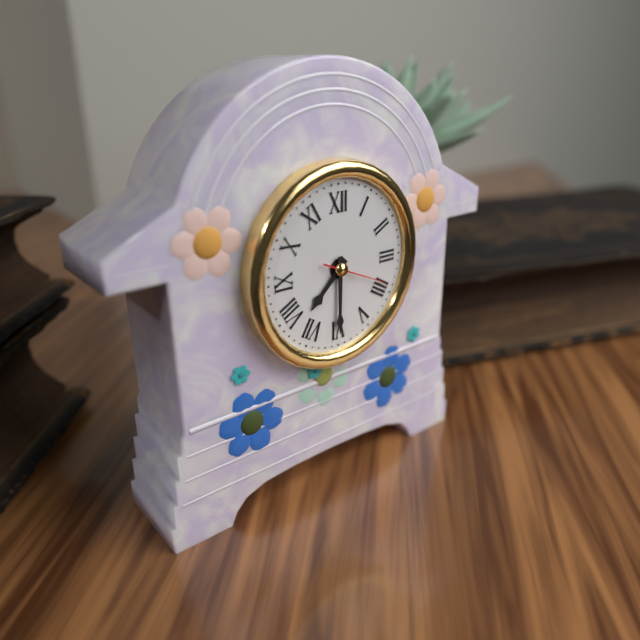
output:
7:30:19
